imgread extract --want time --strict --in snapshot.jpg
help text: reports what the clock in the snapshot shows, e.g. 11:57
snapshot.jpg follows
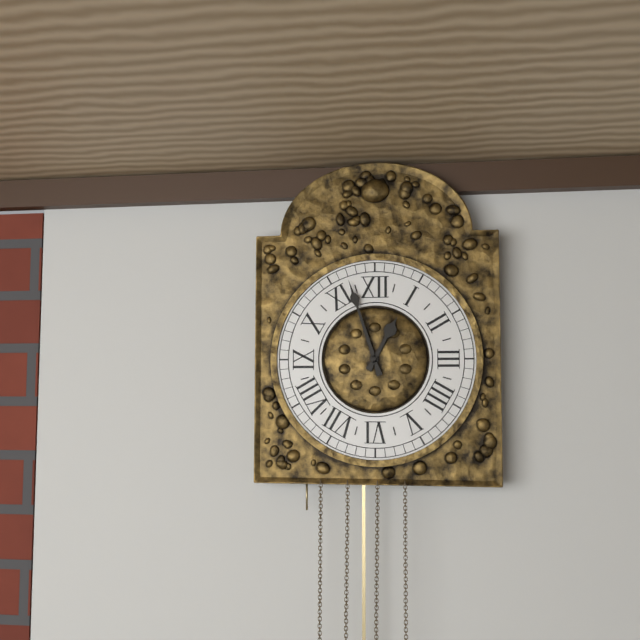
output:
12:57
